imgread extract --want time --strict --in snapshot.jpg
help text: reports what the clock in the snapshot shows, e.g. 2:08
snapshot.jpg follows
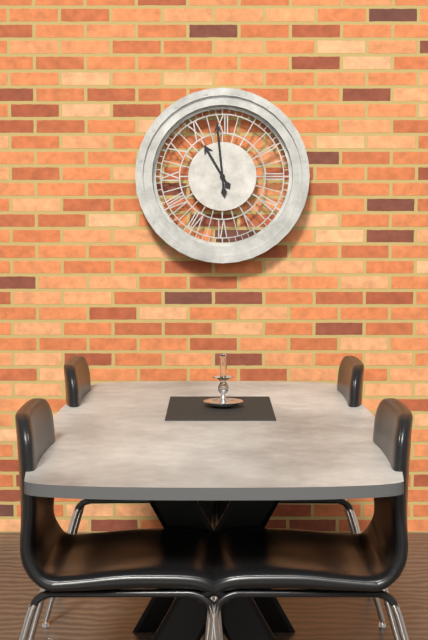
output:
10:59
